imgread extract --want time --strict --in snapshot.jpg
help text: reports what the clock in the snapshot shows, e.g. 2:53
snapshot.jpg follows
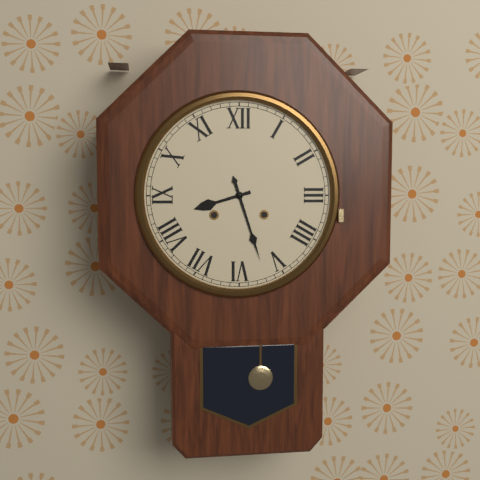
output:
8:27
